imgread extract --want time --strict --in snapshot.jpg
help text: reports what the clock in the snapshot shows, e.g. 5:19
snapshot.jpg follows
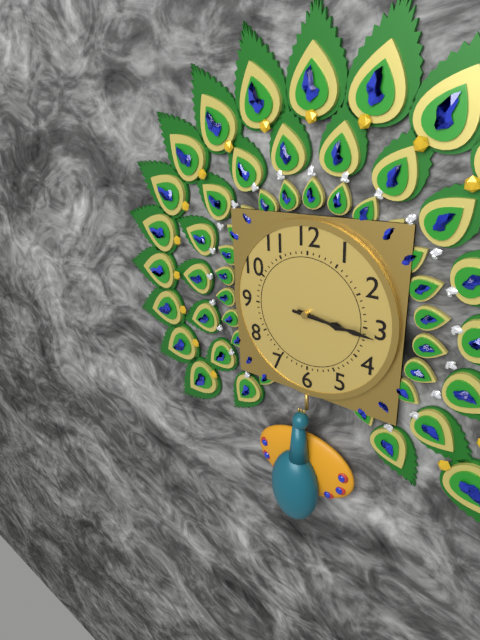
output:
3:16
